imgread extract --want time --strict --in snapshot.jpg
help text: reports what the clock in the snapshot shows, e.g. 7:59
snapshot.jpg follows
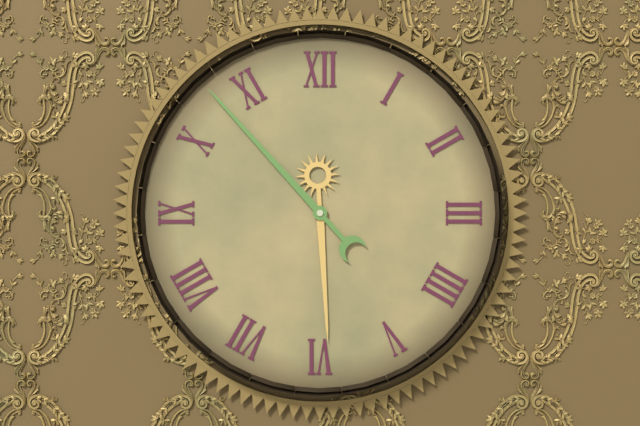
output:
5:53
